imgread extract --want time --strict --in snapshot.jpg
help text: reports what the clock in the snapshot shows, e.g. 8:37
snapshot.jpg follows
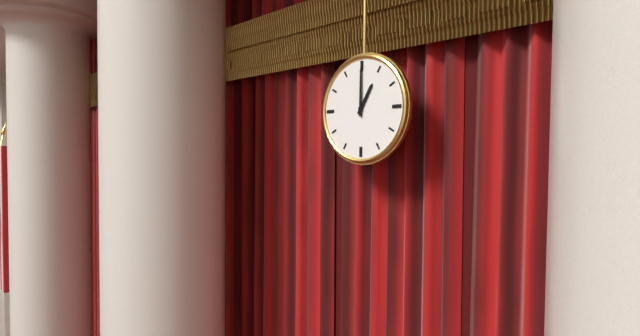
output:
1:00
